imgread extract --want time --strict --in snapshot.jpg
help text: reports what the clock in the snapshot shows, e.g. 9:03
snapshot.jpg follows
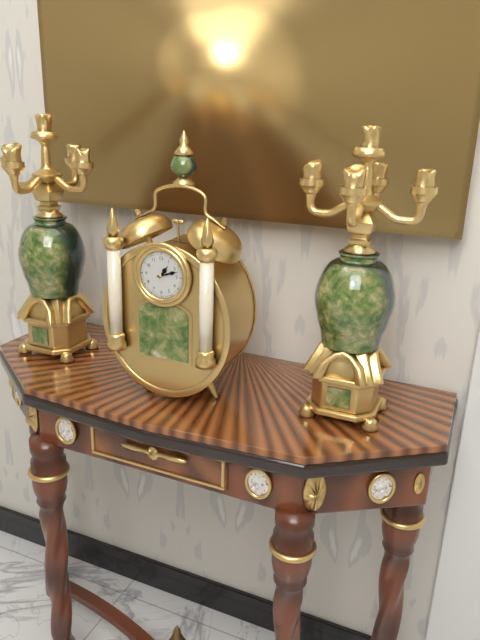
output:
1:12
